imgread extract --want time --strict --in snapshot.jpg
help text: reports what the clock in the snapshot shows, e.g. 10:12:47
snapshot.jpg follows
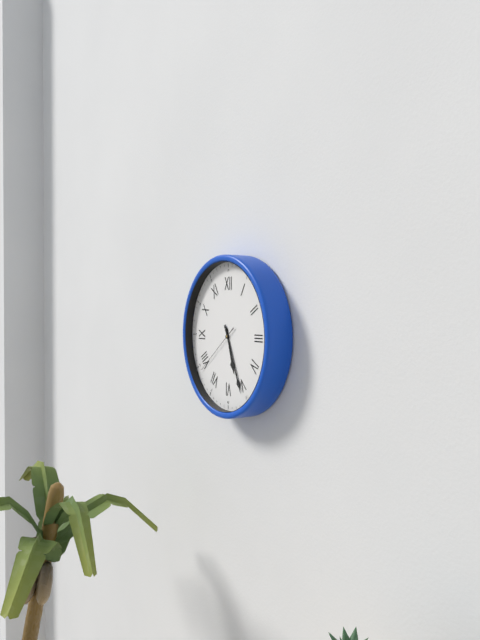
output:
5:26:39
